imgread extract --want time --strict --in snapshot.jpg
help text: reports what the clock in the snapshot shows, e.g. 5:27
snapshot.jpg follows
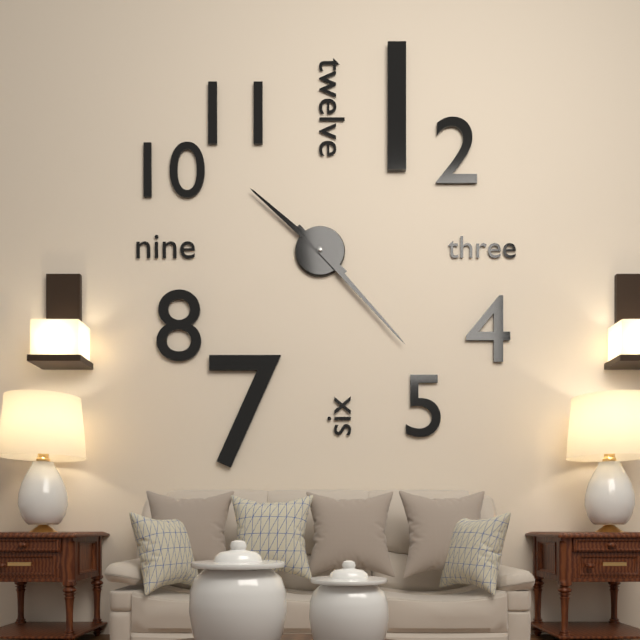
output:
10:23
